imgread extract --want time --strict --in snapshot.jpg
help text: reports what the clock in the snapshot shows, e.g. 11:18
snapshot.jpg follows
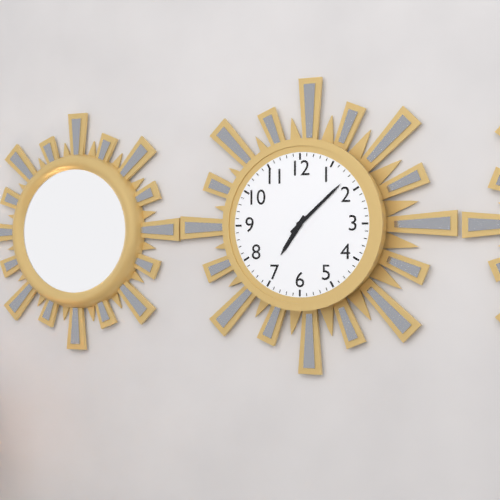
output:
7:08
